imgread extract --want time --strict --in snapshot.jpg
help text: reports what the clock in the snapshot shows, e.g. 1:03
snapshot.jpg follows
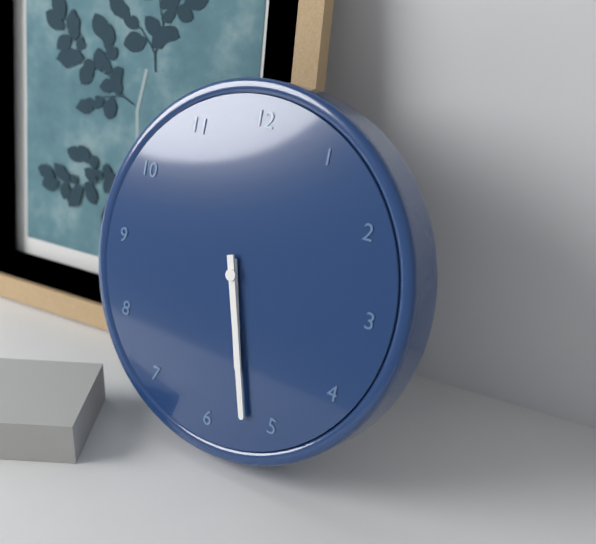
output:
5:27
